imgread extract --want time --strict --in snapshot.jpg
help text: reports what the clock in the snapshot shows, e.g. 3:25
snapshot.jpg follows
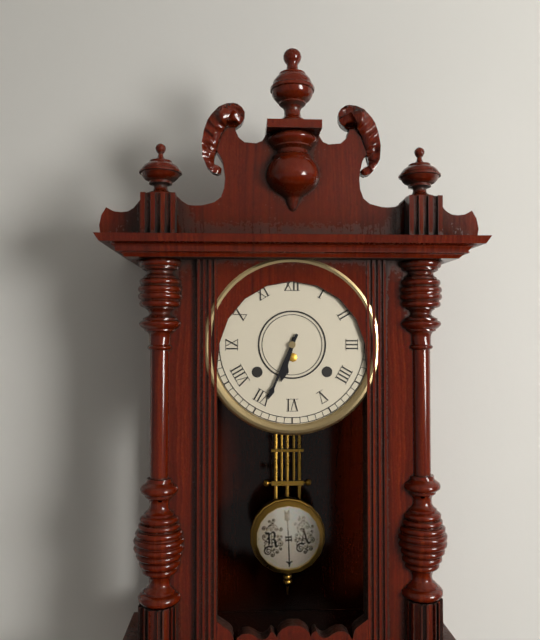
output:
6:34
